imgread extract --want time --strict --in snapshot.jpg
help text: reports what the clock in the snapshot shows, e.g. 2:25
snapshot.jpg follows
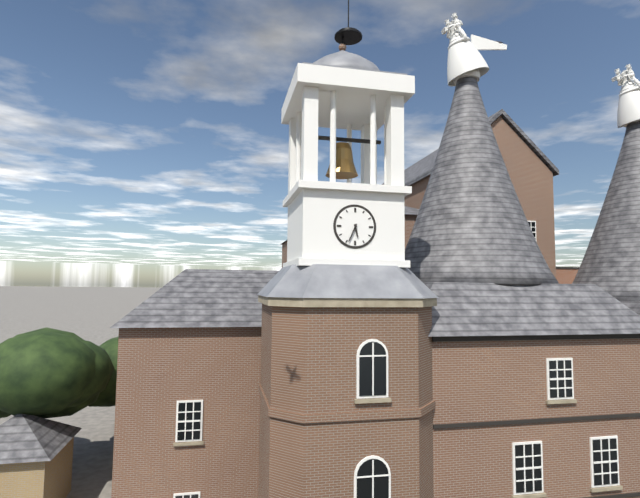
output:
5:34
